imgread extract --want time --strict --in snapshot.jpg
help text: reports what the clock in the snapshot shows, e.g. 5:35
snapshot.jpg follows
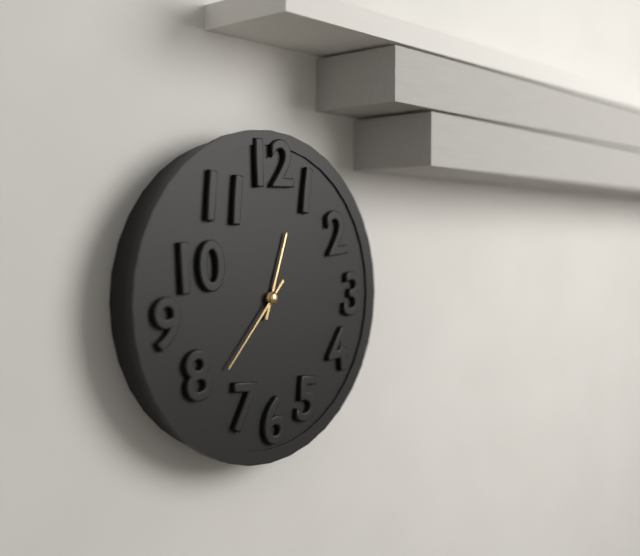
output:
12:37
